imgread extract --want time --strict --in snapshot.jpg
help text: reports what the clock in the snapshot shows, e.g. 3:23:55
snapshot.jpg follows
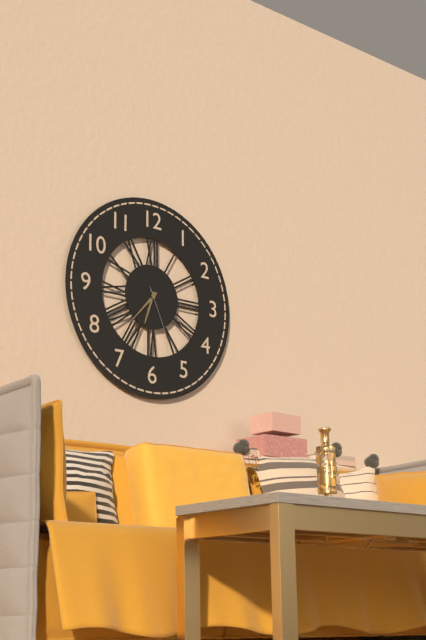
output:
6:37:26
